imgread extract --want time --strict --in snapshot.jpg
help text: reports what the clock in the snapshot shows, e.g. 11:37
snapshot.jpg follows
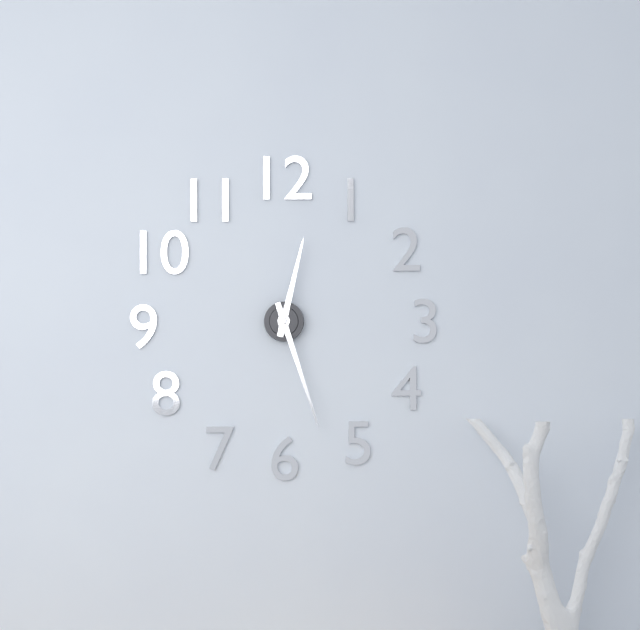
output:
12:27
